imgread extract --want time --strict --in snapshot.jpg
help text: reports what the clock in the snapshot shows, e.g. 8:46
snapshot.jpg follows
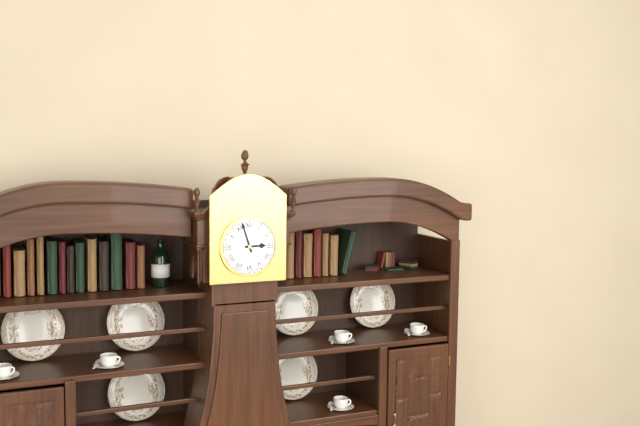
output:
2:57
